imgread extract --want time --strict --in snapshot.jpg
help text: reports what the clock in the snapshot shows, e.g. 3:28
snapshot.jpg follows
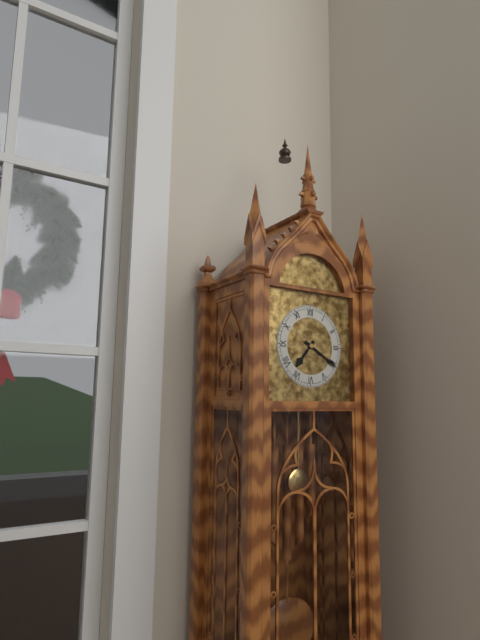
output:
7:20
